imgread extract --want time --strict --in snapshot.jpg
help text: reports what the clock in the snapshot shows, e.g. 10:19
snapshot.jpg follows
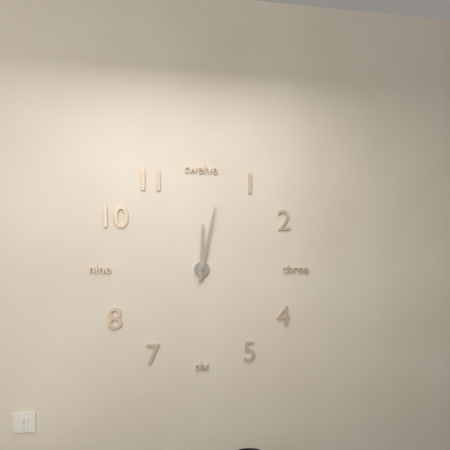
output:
12:02
